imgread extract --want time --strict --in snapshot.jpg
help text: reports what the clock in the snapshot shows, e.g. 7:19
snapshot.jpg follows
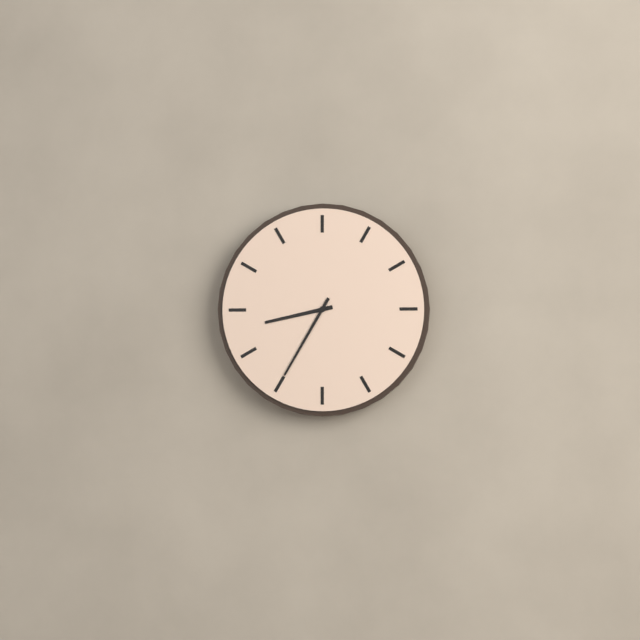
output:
8:35
